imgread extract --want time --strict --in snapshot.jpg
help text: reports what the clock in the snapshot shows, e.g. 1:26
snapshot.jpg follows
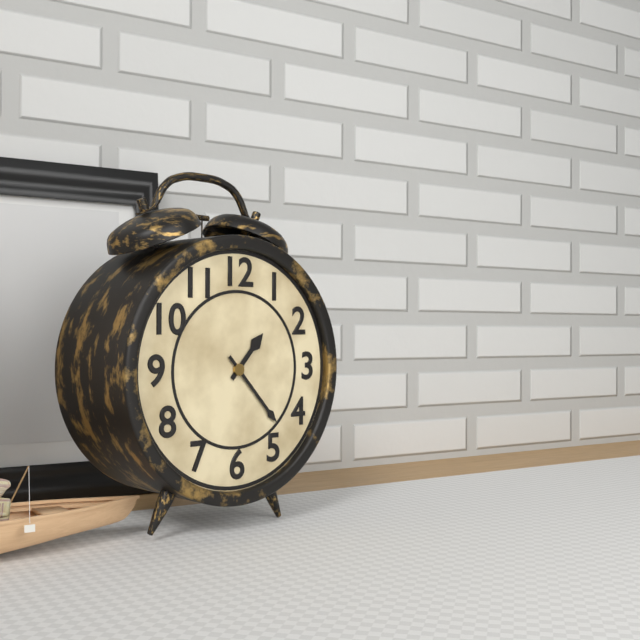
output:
1:23
